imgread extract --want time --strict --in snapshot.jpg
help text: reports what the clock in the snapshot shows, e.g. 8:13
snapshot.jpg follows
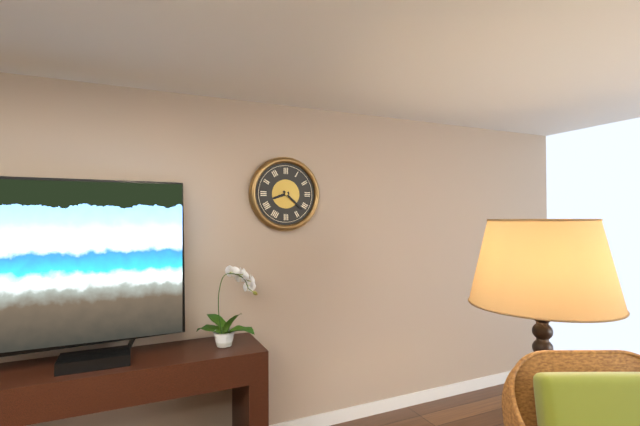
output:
8:22
